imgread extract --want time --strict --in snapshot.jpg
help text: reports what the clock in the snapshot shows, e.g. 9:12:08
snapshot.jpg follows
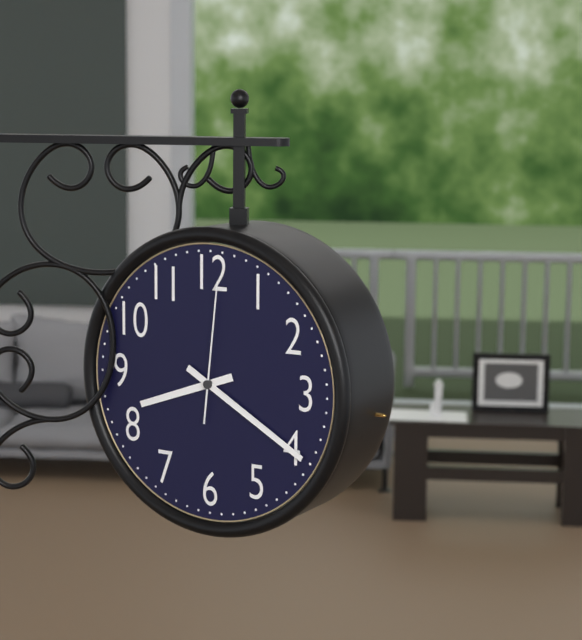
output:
8:20:01
